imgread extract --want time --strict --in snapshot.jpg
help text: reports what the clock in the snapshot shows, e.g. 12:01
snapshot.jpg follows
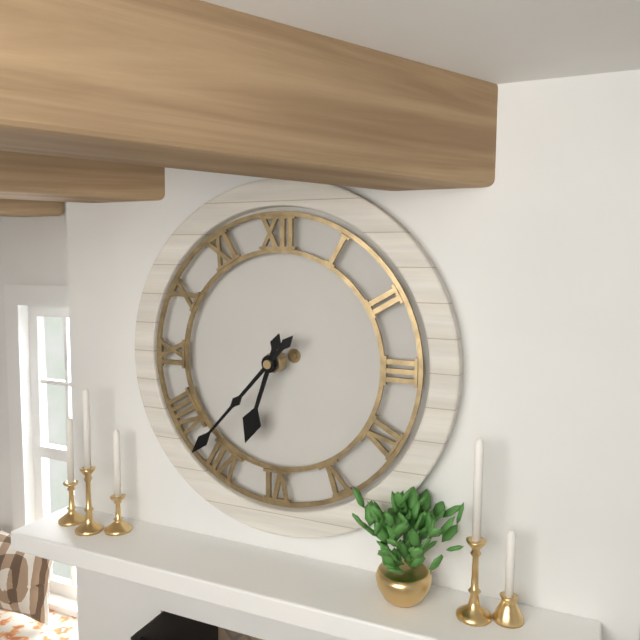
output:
6:37
